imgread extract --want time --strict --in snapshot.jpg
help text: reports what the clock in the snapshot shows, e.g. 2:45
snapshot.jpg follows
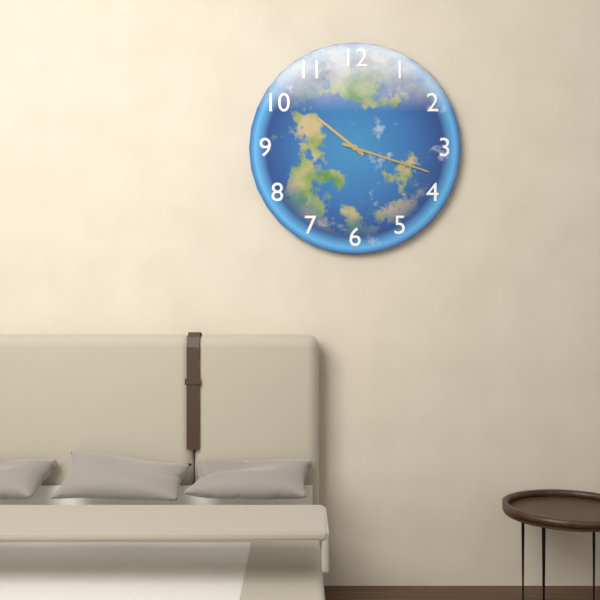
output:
10:18
